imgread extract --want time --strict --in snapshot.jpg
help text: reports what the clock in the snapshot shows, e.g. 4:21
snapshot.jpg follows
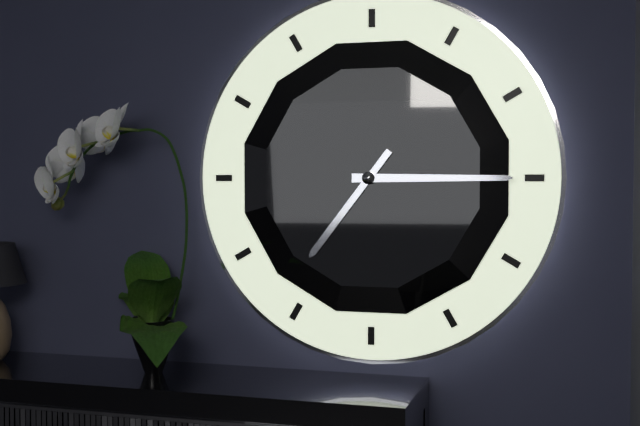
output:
7:15
